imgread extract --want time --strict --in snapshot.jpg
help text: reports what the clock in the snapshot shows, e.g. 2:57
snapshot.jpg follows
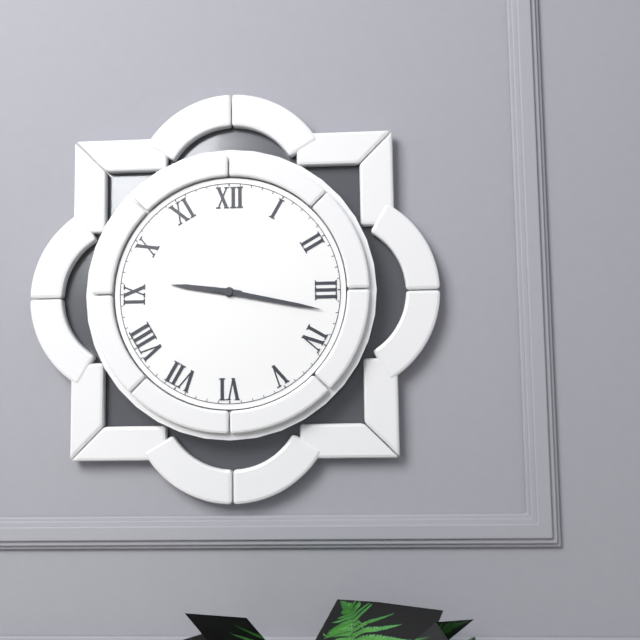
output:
9:17
